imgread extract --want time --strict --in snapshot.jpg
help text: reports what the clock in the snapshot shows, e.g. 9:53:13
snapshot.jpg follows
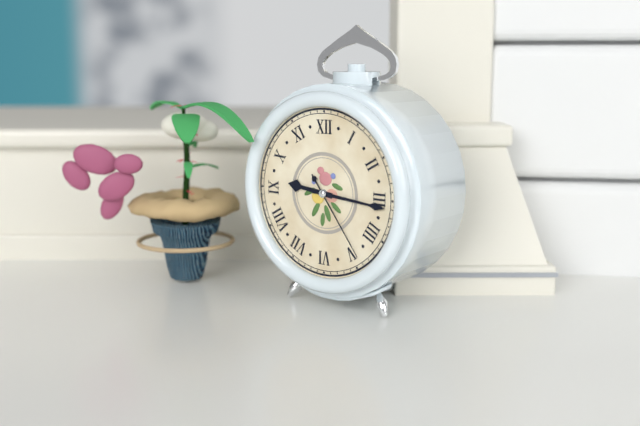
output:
9:16:24
